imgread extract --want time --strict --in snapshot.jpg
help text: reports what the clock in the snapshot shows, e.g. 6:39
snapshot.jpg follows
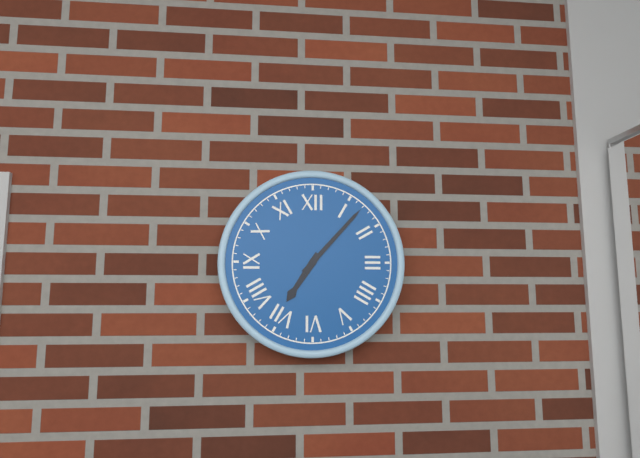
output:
7:07
